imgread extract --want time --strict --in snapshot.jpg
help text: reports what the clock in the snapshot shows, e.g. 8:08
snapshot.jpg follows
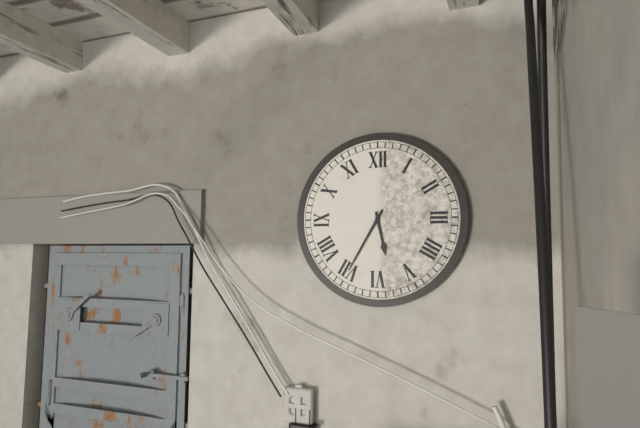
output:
5:35
